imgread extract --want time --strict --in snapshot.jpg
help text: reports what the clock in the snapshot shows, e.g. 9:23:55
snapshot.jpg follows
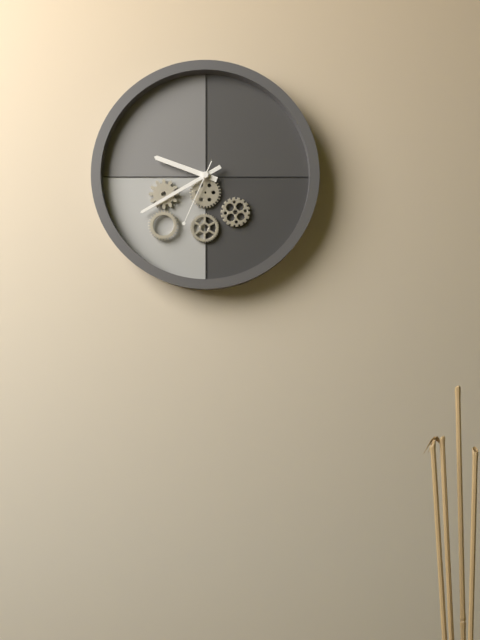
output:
9:40:34
